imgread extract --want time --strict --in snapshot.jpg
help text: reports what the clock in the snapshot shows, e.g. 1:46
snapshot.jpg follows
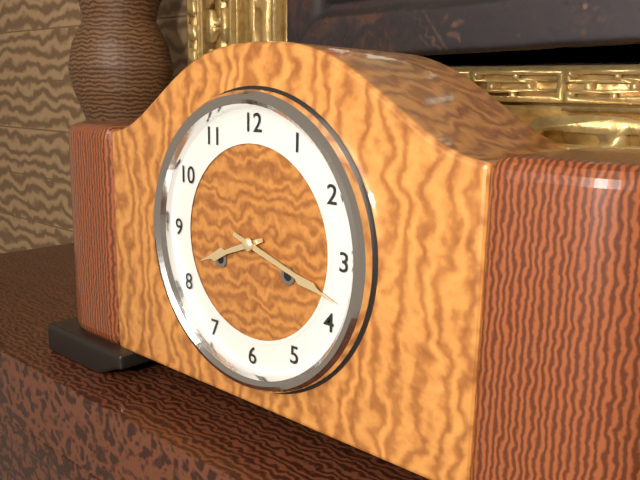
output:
8:18
